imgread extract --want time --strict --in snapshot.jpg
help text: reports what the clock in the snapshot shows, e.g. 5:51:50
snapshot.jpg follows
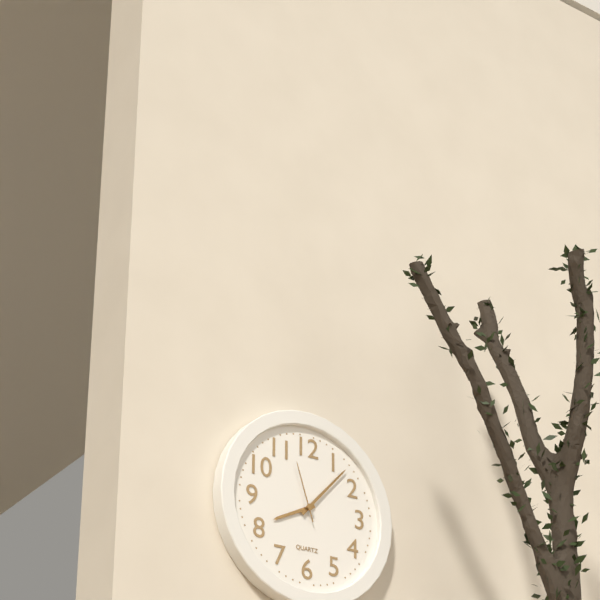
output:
8:07:57
